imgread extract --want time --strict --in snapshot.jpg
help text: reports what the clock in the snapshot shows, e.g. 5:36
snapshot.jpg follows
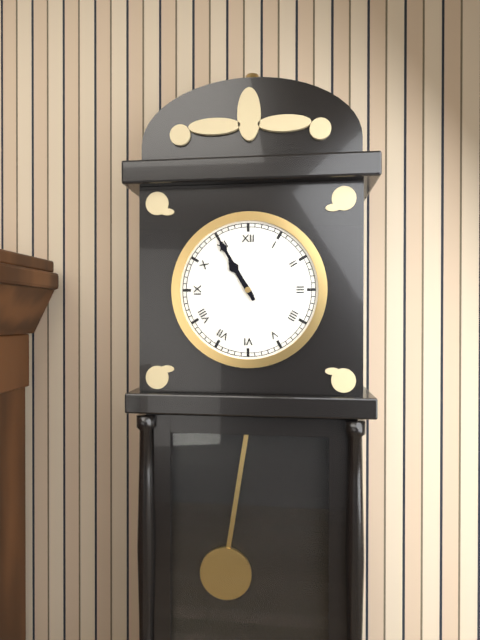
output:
10:55
